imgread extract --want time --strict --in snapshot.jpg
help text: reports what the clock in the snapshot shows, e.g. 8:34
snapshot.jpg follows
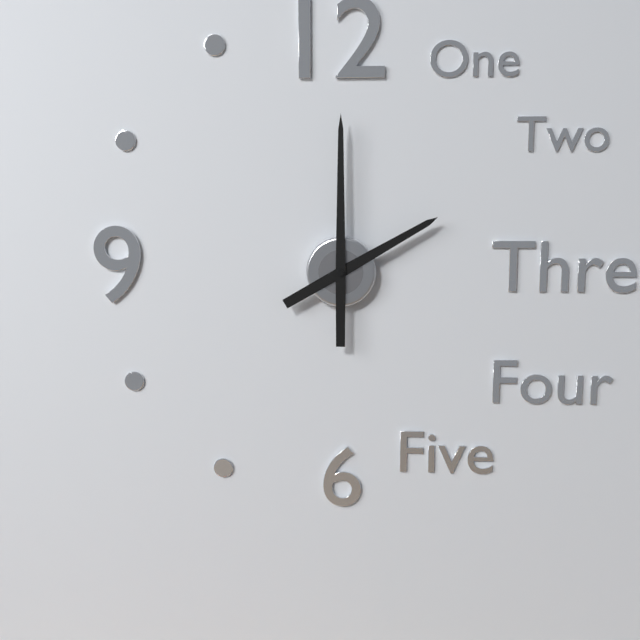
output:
2:00
